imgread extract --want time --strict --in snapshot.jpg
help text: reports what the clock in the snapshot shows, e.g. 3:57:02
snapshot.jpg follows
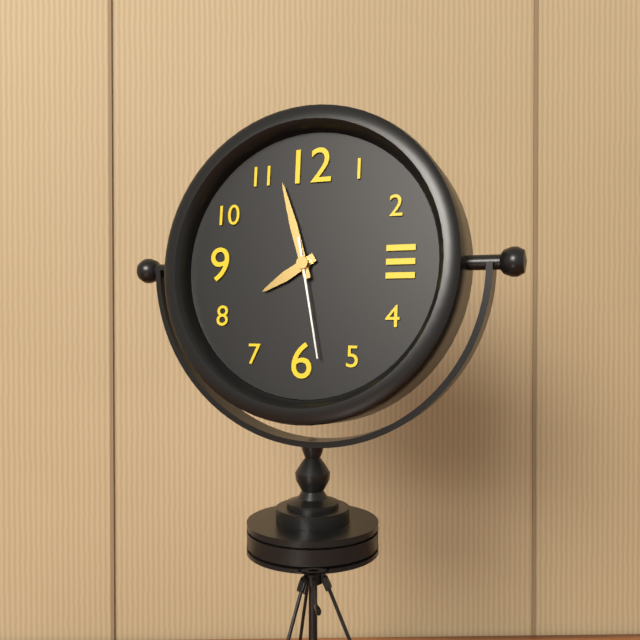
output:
7:57:28
